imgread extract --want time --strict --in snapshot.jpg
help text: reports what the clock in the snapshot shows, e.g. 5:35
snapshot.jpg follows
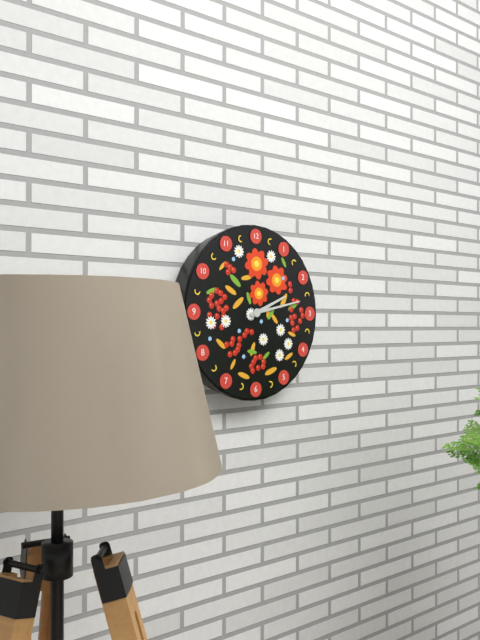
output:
2:13
